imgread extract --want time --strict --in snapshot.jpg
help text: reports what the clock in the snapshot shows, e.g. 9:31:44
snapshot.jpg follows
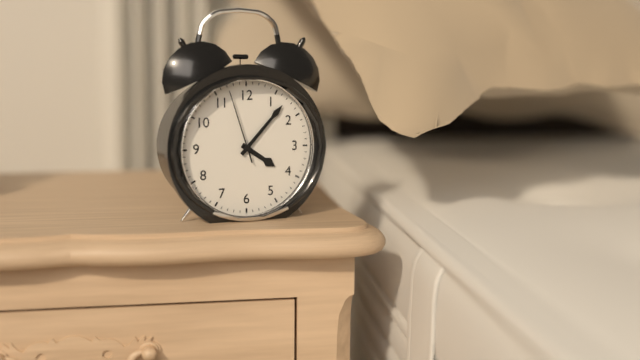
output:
4:07:57
